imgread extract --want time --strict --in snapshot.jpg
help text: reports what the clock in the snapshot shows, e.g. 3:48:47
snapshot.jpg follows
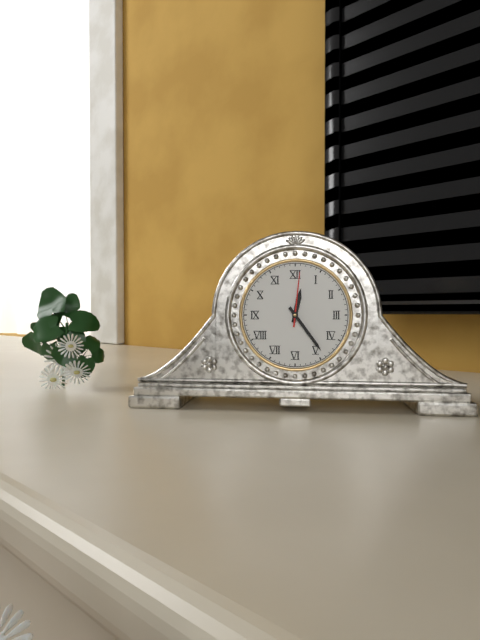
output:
12:24:01
